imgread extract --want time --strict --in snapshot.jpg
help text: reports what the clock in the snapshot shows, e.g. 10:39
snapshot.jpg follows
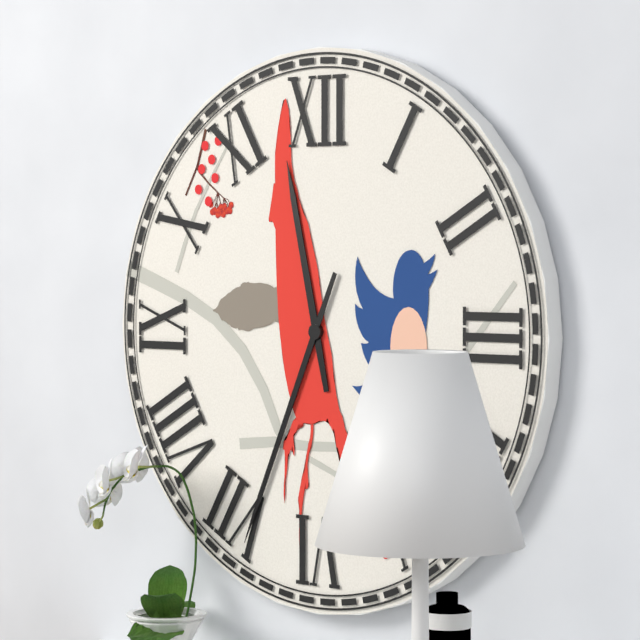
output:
11:34
